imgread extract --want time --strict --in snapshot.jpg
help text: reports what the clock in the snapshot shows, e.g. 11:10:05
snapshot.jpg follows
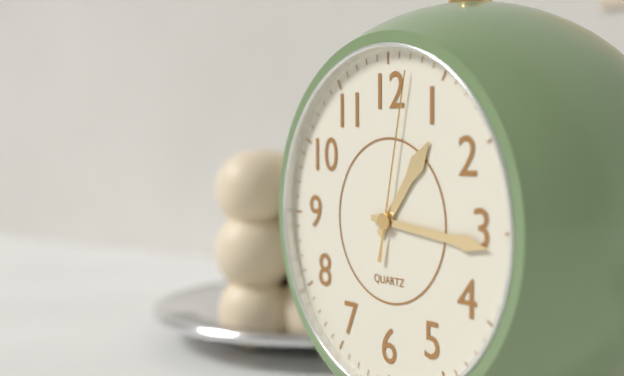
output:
1:16:02
